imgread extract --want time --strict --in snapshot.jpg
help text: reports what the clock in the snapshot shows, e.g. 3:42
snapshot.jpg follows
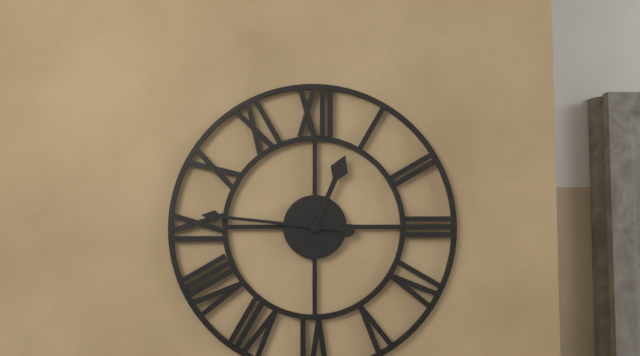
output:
12:46
